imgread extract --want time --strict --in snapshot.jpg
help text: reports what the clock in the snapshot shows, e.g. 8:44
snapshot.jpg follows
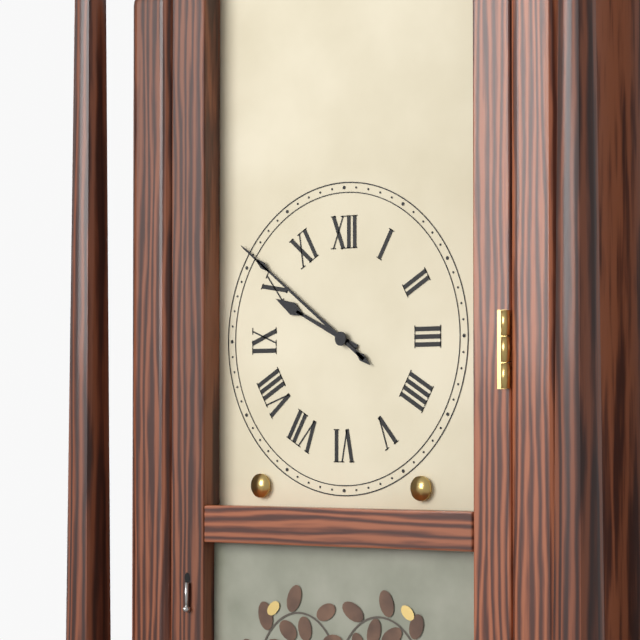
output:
9:51
